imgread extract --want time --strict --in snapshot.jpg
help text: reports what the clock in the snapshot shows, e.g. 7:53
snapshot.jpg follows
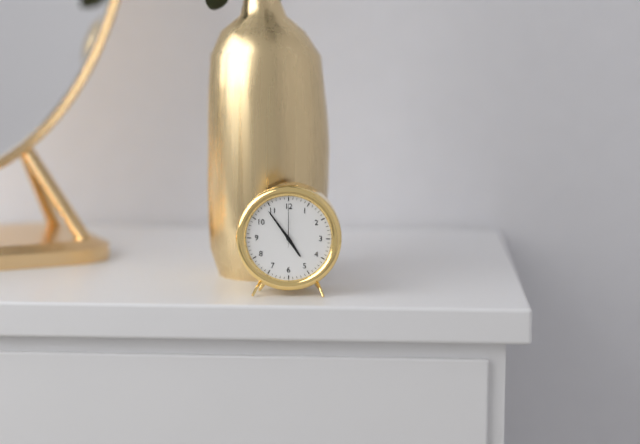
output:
4:54
